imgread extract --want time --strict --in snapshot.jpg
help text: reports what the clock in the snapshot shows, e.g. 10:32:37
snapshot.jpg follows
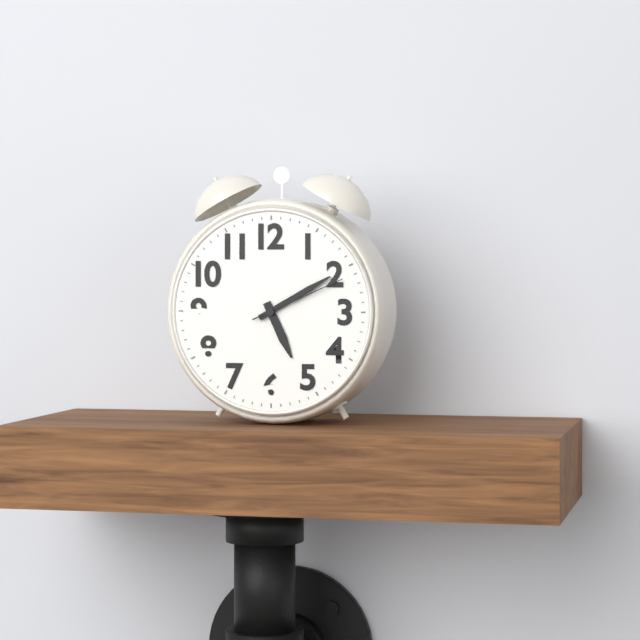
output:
5:10:11
